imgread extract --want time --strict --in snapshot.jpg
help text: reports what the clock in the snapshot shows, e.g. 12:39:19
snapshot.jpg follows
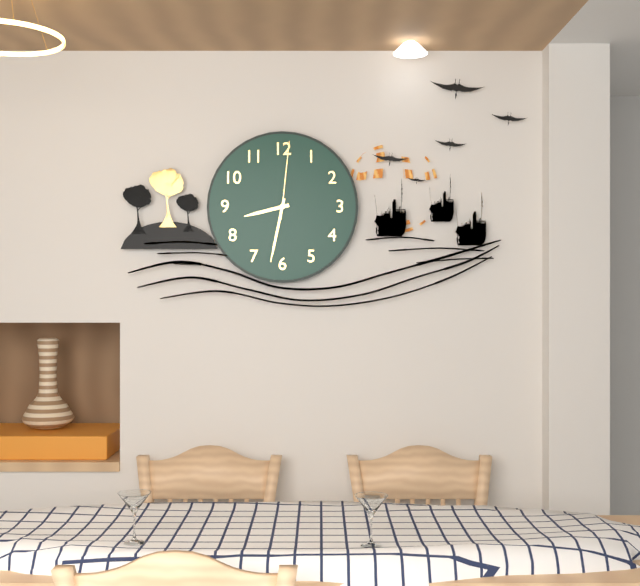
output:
8:32:01
